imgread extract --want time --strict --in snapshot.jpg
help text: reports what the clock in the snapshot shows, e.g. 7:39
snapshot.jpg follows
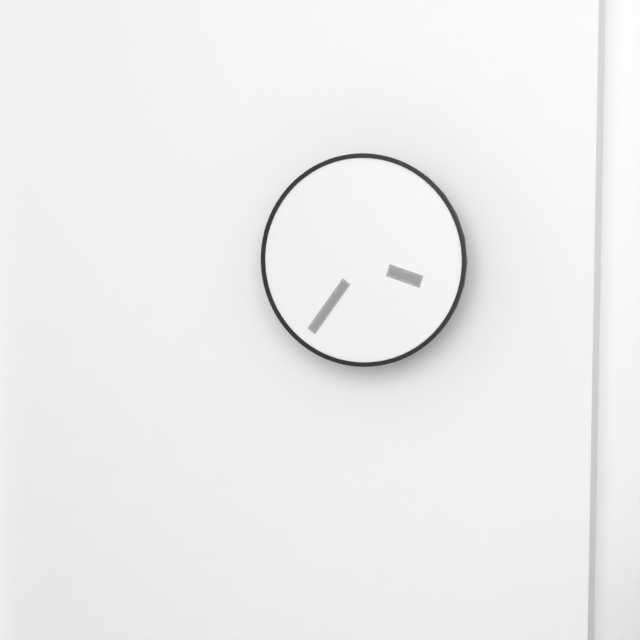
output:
3:36
